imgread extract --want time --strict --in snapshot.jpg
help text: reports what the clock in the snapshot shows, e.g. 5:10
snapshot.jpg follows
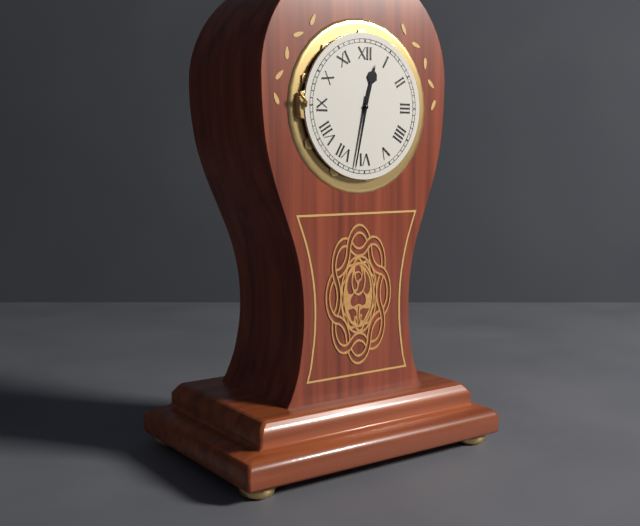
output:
12:32
